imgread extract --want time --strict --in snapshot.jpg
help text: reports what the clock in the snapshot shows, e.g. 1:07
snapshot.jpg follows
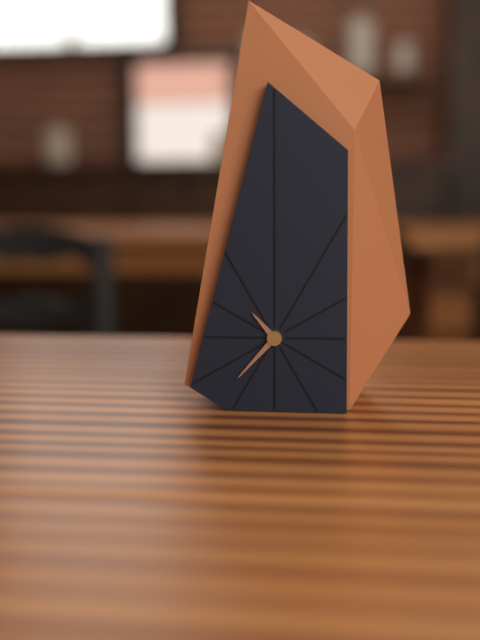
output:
10:37
